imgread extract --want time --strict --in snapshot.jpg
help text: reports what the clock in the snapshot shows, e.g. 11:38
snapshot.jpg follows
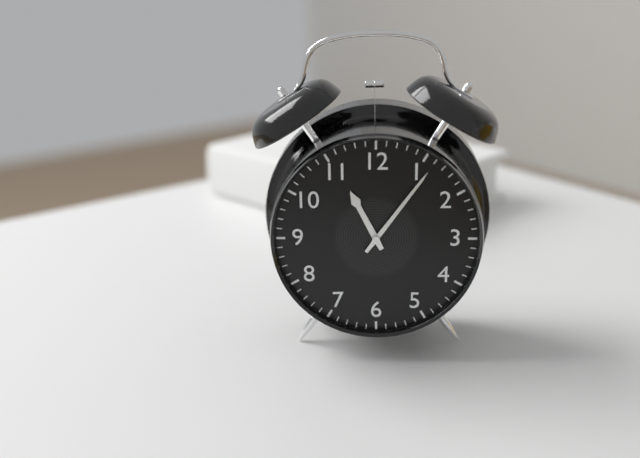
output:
11:06
